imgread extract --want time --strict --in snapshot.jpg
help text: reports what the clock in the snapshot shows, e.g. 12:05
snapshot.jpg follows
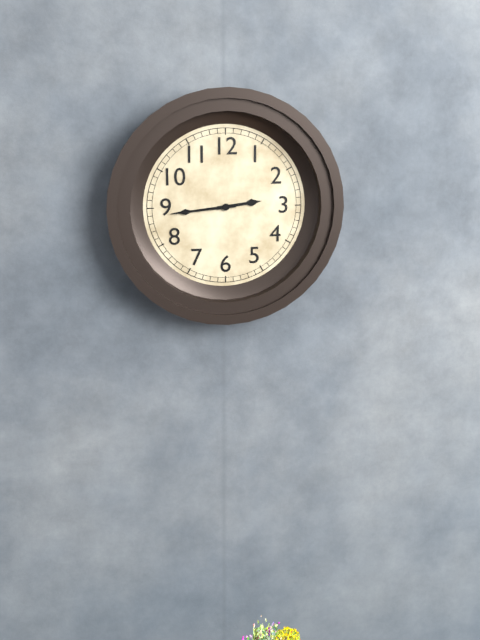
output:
2:44
